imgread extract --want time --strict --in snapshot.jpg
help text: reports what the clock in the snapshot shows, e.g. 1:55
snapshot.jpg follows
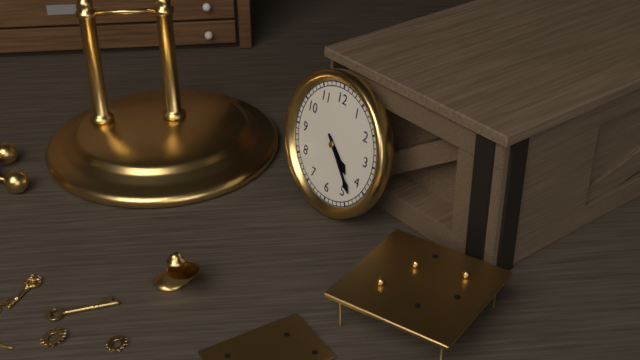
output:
4:23
